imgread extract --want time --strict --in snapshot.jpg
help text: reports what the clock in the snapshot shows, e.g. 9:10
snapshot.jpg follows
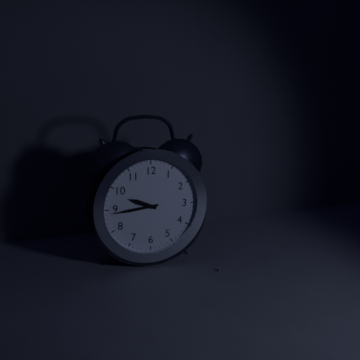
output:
9:44
